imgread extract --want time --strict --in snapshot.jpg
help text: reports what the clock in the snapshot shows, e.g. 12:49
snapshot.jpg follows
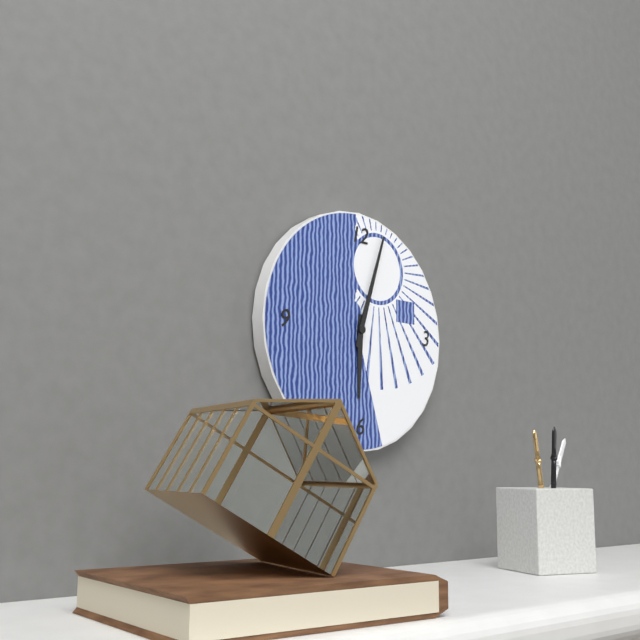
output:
6:03
